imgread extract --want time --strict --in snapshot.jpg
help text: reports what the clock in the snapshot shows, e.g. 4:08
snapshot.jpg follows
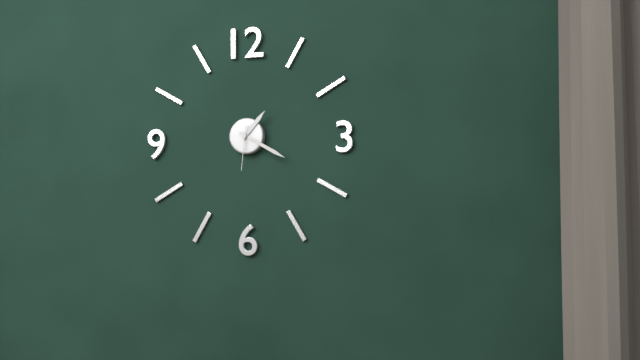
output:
1:20
